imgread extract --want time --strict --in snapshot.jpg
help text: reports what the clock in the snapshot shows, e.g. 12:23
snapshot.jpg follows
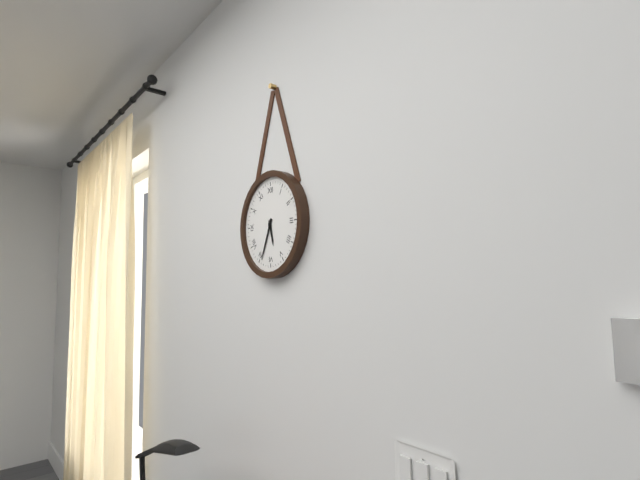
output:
5:34
